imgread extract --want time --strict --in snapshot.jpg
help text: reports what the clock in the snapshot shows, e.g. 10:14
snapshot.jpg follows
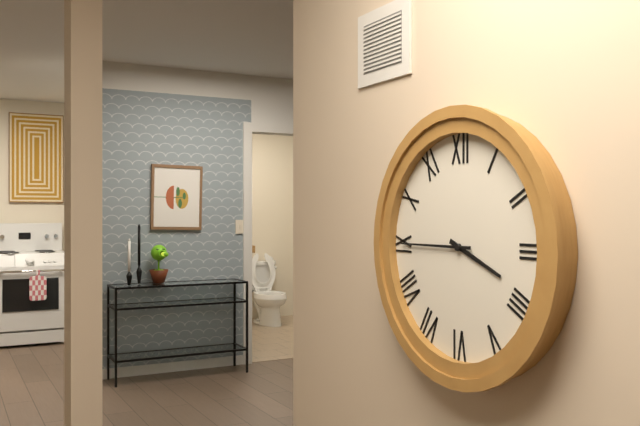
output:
3:45
